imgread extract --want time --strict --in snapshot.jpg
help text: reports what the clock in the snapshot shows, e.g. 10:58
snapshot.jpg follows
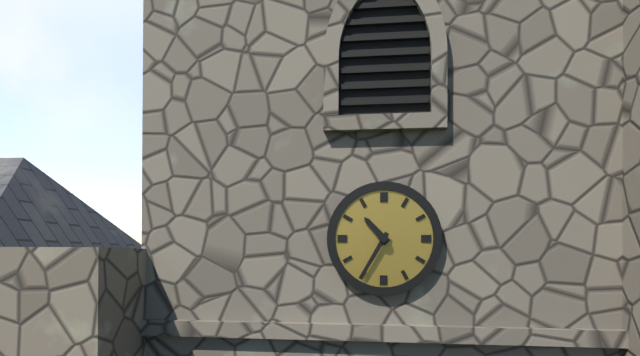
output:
10:35
